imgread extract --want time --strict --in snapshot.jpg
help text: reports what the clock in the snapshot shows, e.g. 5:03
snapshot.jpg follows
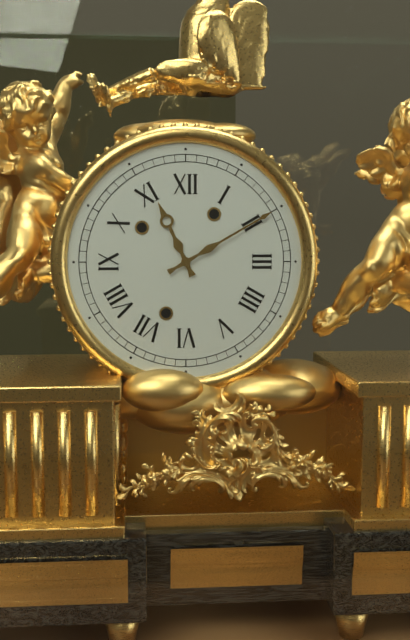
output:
11:10
